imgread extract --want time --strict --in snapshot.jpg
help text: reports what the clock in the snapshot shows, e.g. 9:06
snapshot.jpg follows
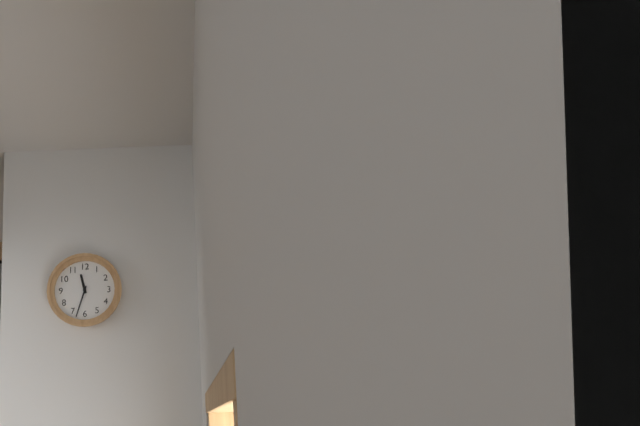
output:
11:33
